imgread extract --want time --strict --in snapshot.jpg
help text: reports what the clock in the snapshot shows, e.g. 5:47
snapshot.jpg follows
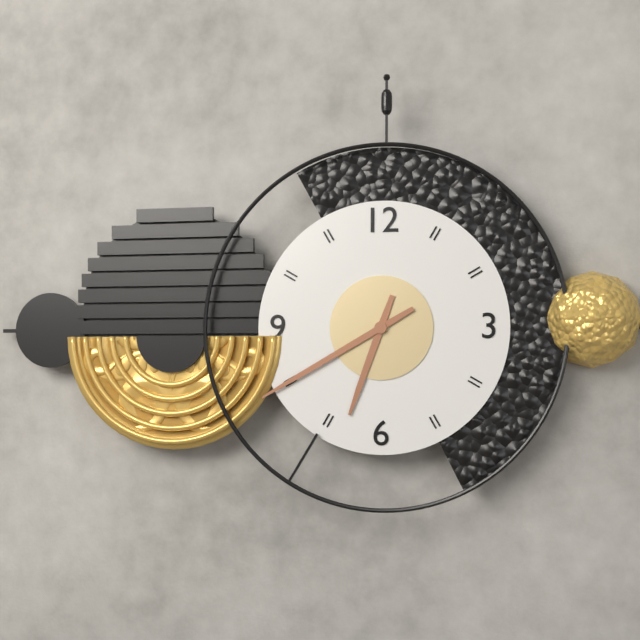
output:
6:40
